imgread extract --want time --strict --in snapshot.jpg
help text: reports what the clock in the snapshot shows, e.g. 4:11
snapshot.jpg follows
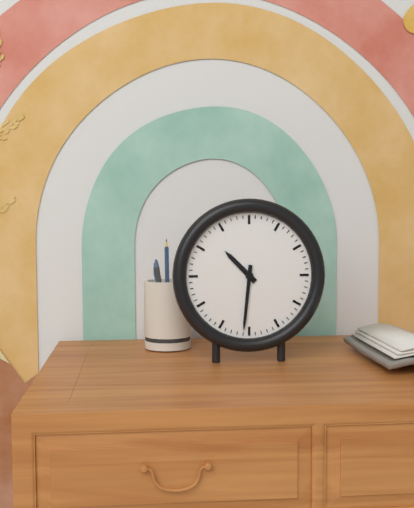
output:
10:31
